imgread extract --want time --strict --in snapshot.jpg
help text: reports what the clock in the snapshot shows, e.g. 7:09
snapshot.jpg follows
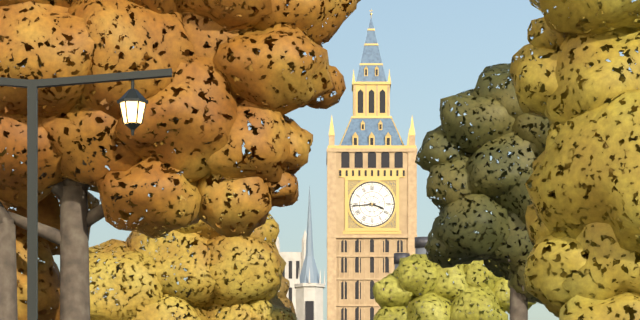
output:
3:44
